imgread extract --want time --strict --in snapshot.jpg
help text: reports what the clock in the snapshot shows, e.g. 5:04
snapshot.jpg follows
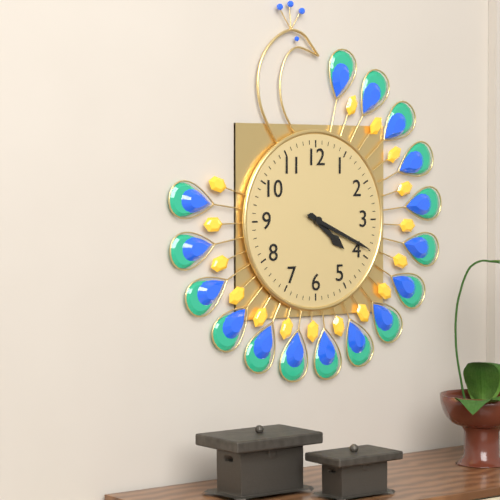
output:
4:19
